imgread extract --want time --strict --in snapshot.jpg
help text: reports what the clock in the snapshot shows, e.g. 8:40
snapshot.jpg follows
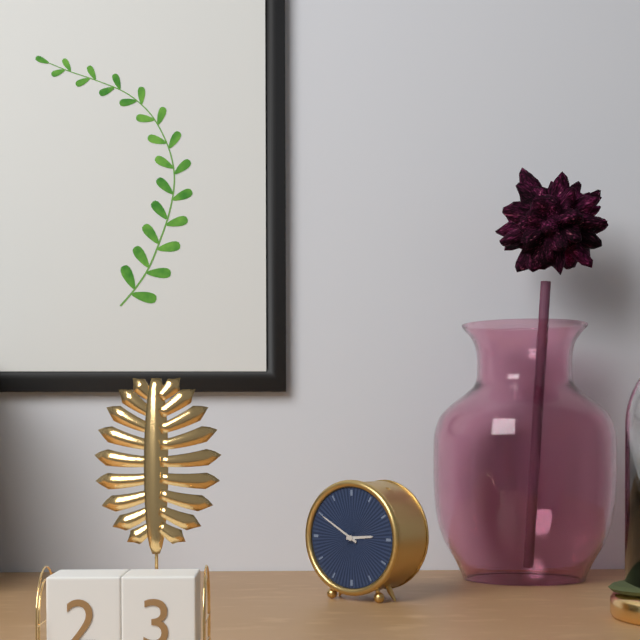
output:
2:50
